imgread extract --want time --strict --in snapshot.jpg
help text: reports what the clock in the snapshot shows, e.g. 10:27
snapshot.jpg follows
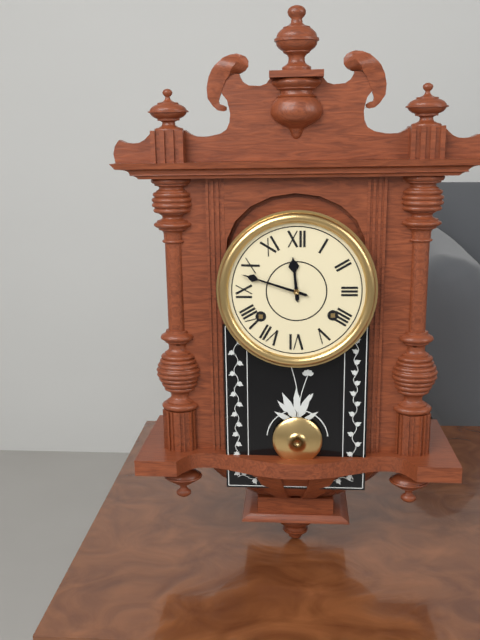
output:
11:48
